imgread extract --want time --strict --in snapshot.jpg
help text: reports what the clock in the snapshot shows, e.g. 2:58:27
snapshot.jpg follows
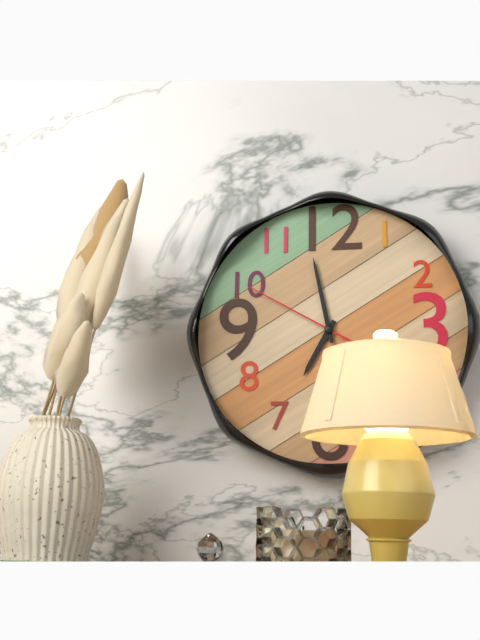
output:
6:58:50
